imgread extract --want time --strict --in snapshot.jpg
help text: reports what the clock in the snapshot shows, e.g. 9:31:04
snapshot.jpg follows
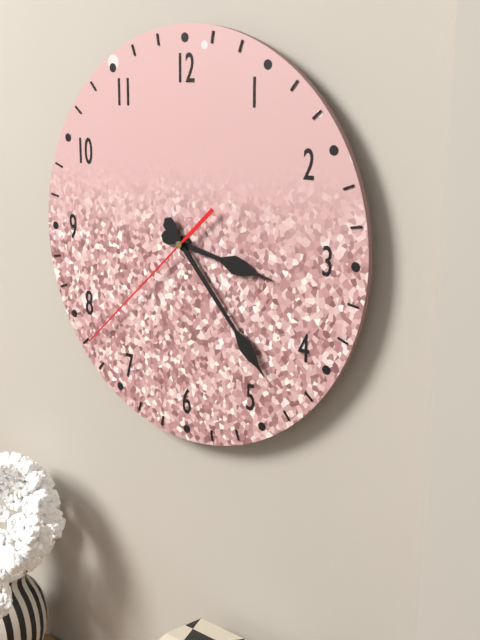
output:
3:23:38
